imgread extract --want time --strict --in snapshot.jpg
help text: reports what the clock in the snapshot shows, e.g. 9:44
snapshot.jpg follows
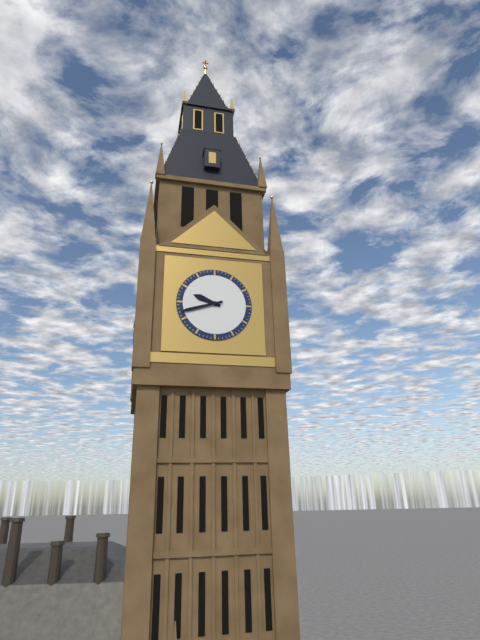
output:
9:42
